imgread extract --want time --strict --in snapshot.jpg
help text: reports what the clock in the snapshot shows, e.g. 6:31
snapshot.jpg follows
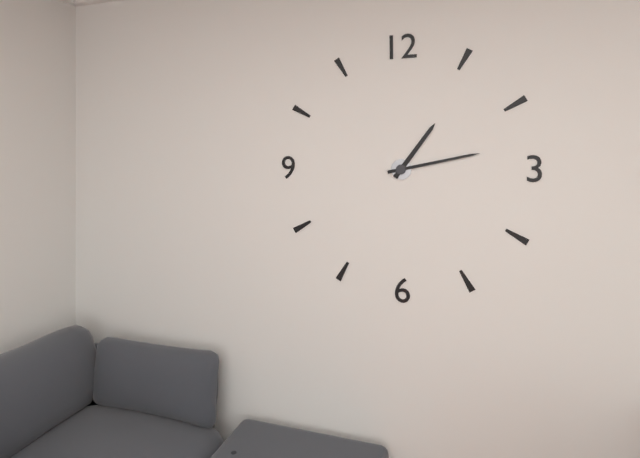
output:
1:13
